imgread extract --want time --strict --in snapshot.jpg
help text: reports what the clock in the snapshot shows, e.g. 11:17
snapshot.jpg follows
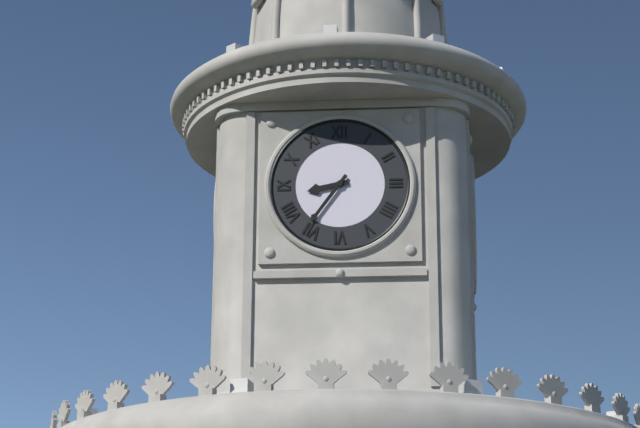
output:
8:36
